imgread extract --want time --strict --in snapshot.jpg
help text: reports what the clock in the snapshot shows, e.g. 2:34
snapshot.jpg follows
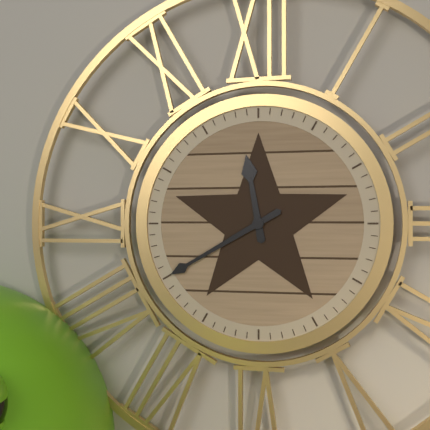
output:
11:40
